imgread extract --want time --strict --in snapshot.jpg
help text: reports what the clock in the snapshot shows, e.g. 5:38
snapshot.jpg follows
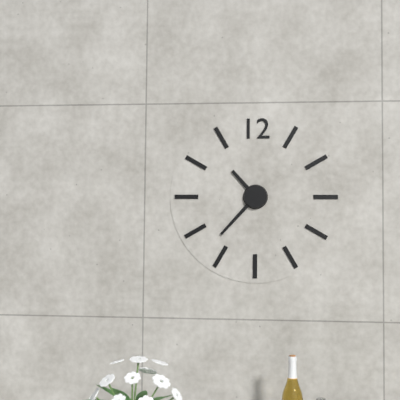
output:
10:37
